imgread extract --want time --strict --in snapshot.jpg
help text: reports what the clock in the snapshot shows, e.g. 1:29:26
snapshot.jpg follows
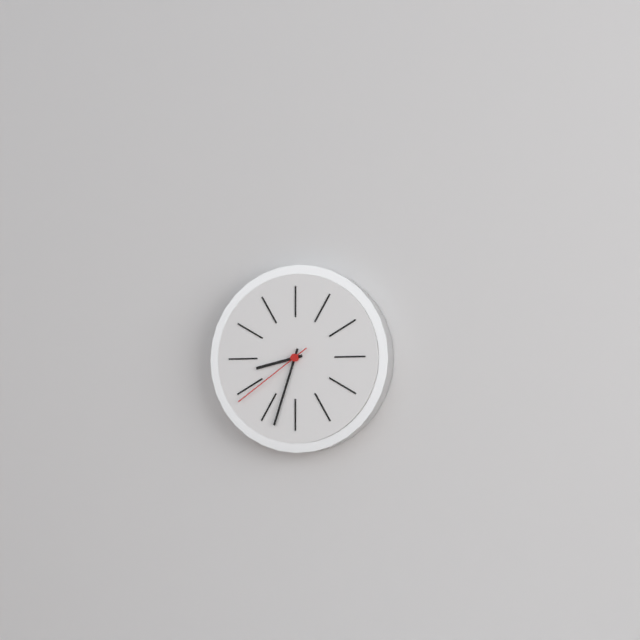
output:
8:33:39
